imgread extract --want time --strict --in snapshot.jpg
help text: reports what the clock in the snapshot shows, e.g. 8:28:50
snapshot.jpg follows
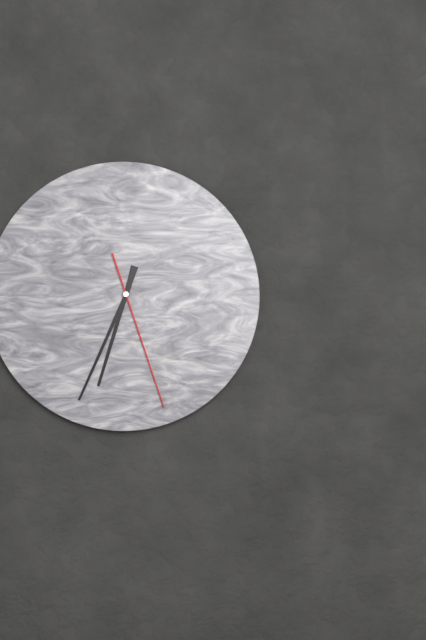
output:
6:34:27
